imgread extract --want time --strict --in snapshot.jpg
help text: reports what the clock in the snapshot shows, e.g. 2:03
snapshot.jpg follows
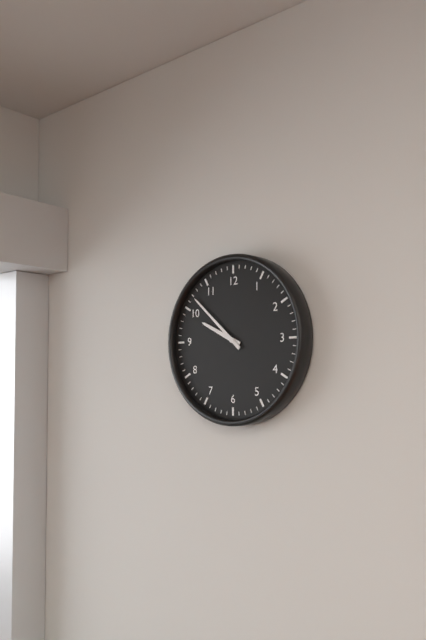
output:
9:52
